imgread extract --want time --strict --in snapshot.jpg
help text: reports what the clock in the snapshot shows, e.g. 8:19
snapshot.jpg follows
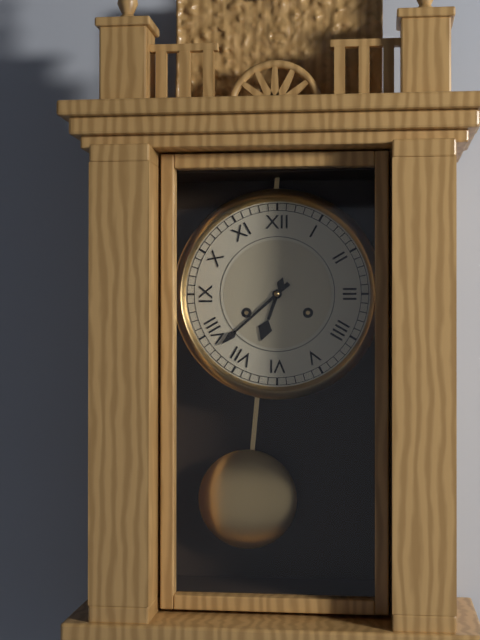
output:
6:38
